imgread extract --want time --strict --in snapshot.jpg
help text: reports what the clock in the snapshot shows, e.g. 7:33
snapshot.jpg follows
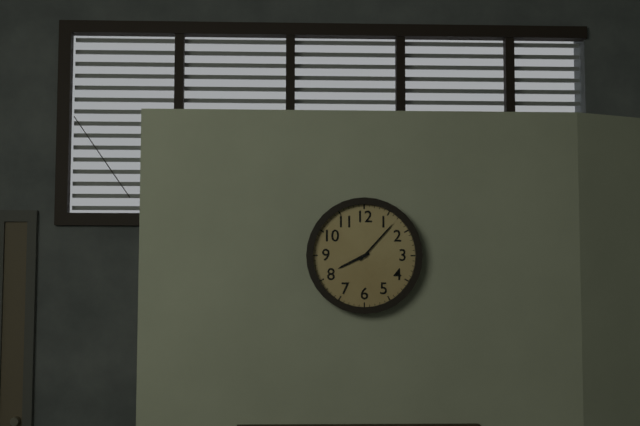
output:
8:07
